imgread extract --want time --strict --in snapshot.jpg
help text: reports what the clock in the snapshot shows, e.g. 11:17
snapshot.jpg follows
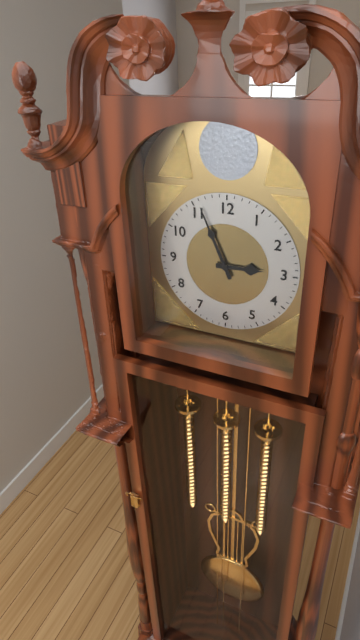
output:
2:56
